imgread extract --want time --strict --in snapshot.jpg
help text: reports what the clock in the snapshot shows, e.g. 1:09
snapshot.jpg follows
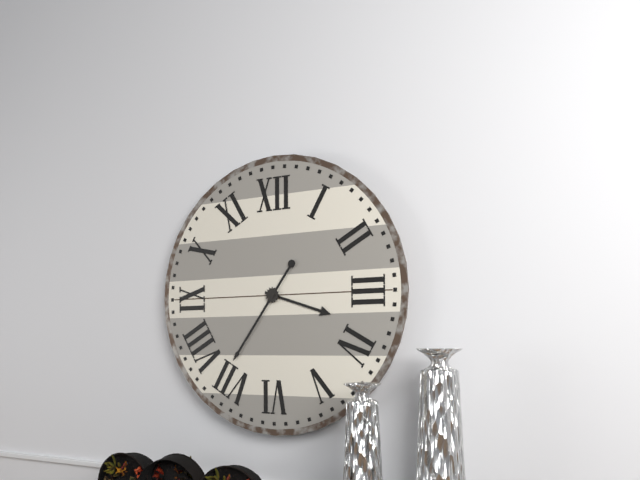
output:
3:36
